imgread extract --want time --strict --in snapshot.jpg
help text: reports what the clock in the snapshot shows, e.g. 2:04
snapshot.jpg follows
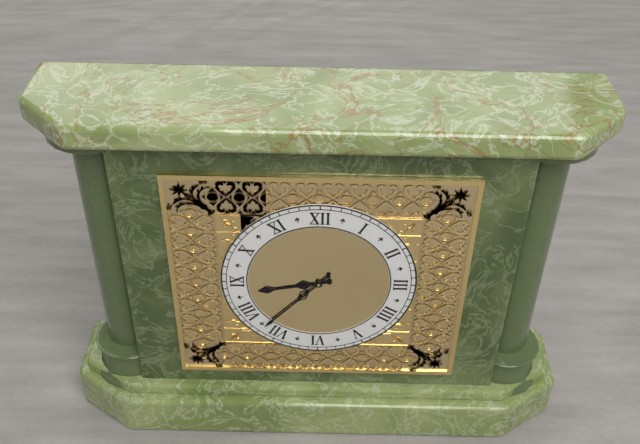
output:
8:37
